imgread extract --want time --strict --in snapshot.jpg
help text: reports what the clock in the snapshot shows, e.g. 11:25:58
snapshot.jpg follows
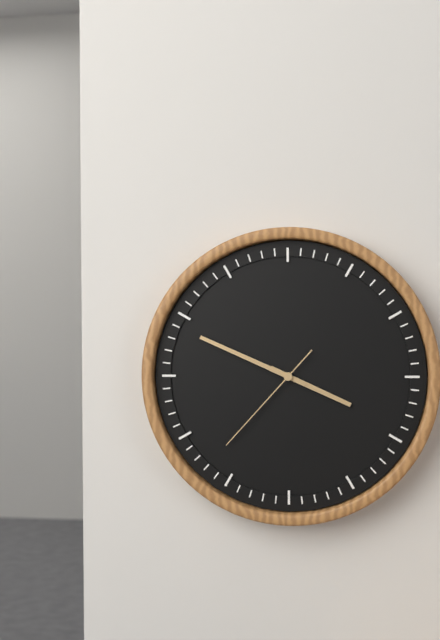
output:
3:49:37
